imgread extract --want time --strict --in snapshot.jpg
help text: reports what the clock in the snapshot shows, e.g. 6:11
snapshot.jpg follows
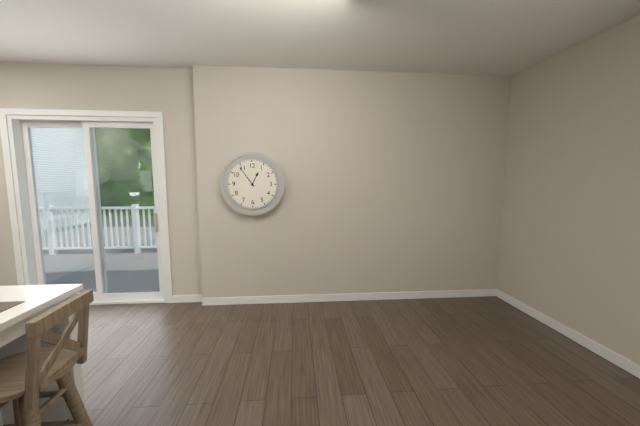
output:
12:54
